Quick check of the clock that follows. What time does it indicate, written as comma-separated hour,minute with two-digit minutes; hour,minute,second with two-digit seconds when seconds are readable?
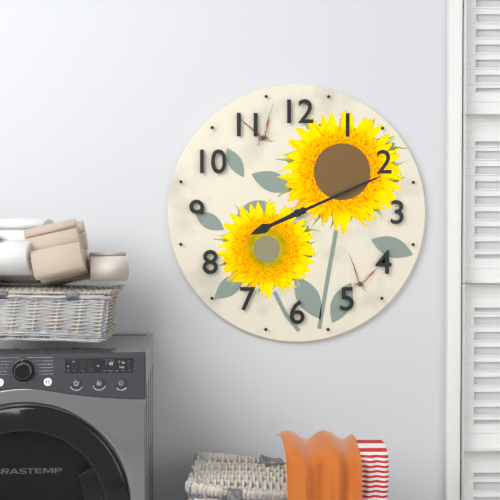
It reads 8,11
